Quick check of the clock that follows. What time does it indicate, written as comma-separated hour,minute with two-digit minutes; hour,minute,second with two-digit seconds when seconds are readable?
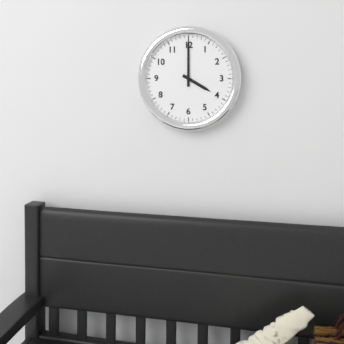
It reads 4,00
